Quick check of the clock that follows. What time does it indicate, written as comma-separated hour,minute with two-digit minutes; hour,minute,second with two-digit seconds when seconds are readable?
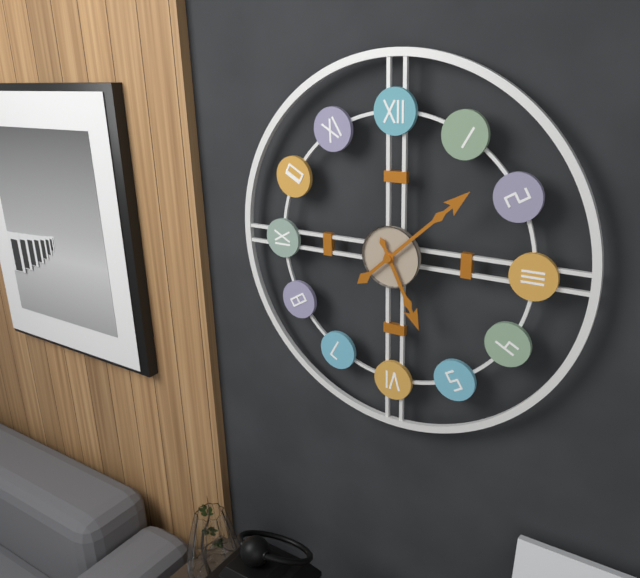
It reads 5,08
